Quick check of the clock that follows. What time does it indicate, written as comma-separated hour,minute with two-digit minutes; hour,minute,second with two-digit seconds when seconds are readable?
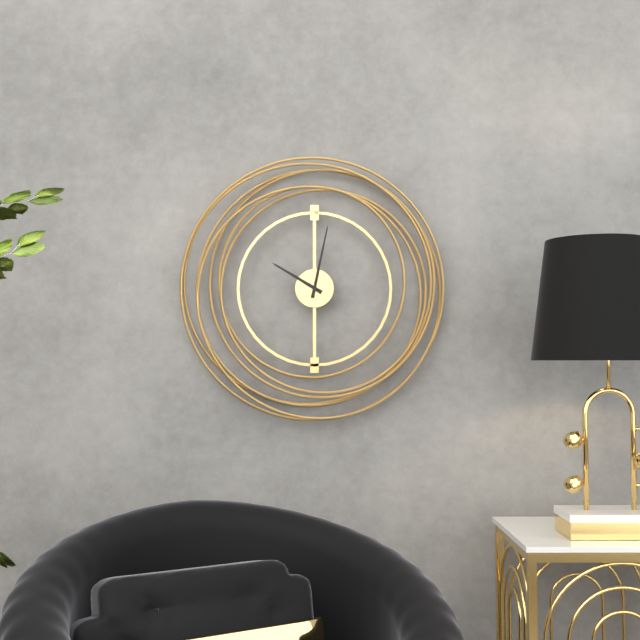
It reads 10,02
